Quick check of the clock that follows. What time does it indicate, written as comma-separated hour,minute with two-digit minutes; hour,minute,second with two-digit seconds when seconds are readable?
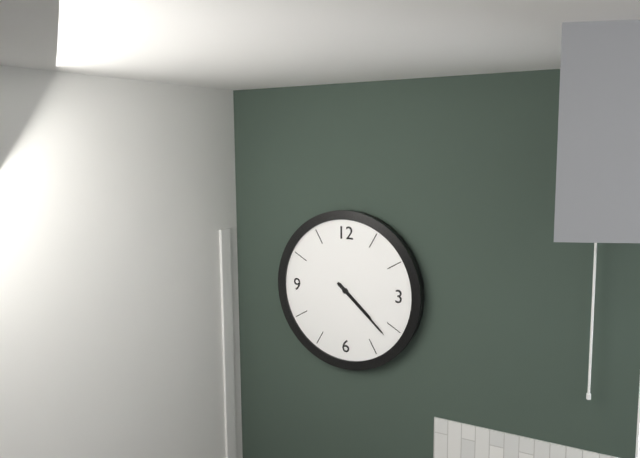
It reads 4,22
